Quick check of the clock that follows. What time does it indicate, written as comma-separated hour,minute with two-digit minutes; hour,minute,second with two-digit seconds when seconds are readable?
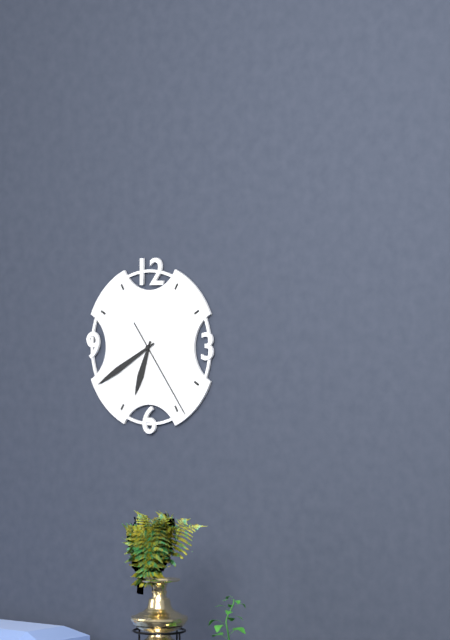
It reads 6,40,24
